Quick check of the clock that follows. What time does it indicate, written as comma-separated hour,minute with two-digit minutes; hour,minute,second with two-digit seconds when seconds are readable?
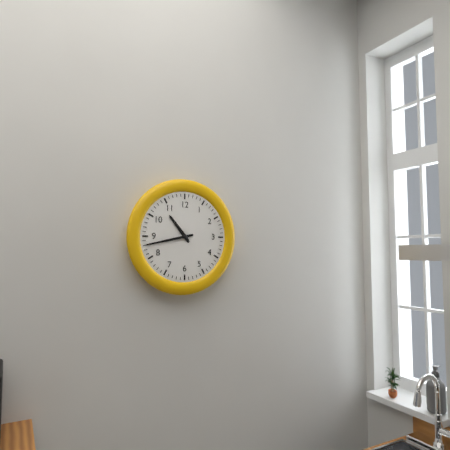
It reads 10,43
